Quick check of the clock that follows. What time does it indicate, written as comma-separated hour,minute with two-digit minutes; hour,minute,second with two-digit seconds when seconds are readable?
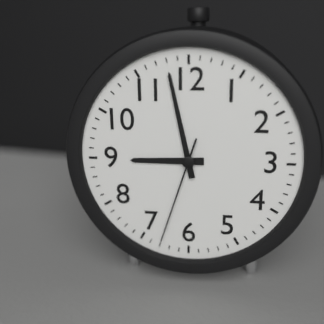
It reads 8,58,33
